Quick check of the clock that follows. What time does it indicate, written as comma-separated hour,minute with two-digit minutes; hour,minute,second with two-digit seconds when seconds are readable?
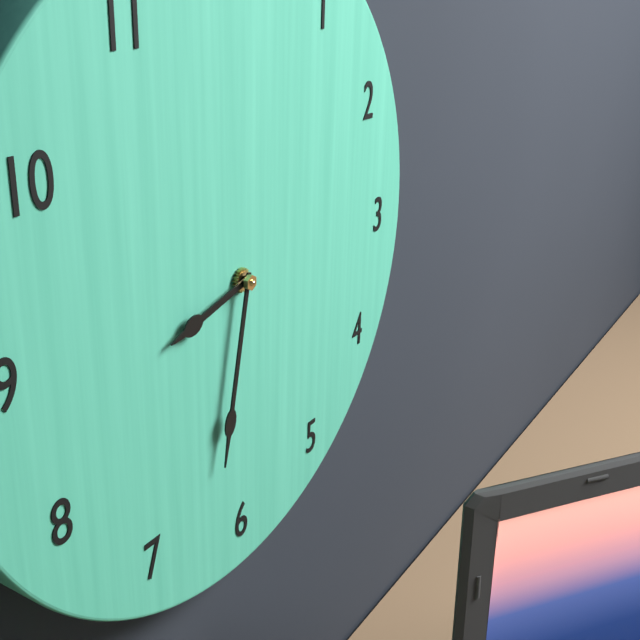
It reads 8,32
